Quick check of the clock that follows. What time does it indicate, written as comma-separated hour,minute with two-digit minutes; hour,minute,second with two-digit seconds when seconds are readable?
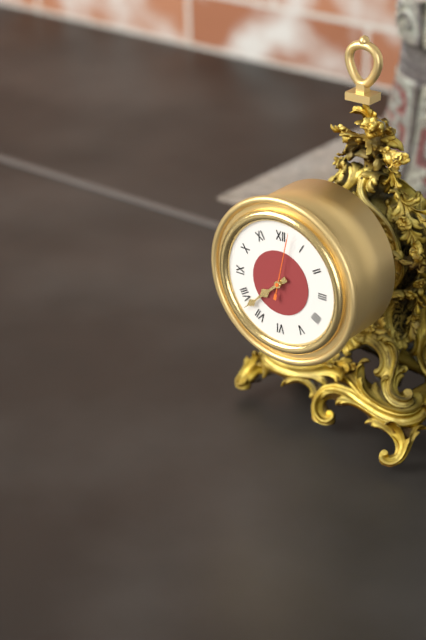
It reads 7,38,02
